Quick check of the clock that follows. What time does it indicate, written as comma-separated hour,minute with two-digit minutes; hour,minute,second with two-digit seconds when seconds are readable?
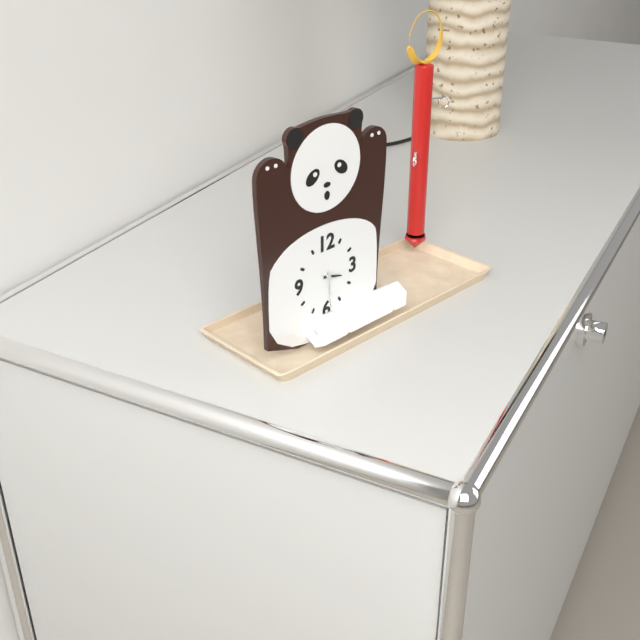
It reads 3,29
